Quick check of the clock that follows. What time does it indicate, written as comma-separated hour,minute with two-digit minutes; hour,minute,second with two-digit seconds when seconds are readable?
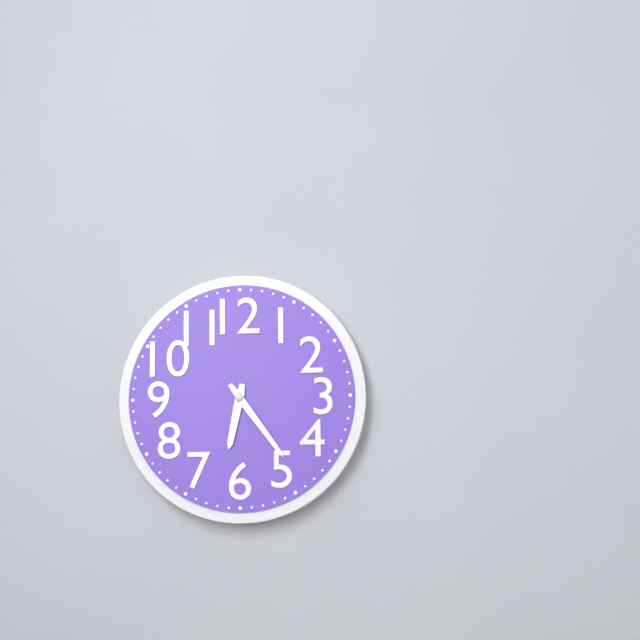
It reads 6,24
